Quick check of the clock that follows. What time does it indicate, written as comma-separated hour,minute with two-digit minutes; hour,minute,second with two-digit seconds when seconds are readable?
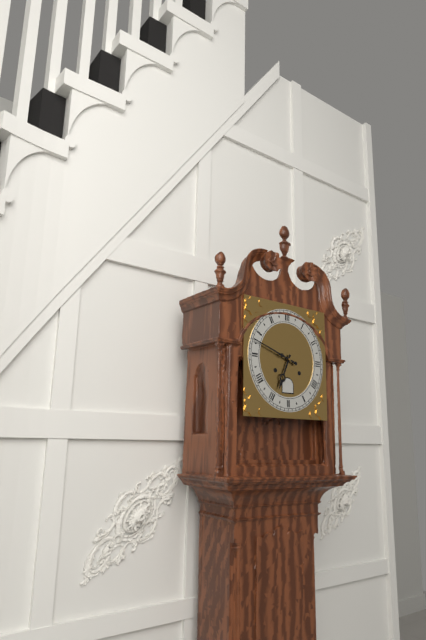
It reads 6,48
